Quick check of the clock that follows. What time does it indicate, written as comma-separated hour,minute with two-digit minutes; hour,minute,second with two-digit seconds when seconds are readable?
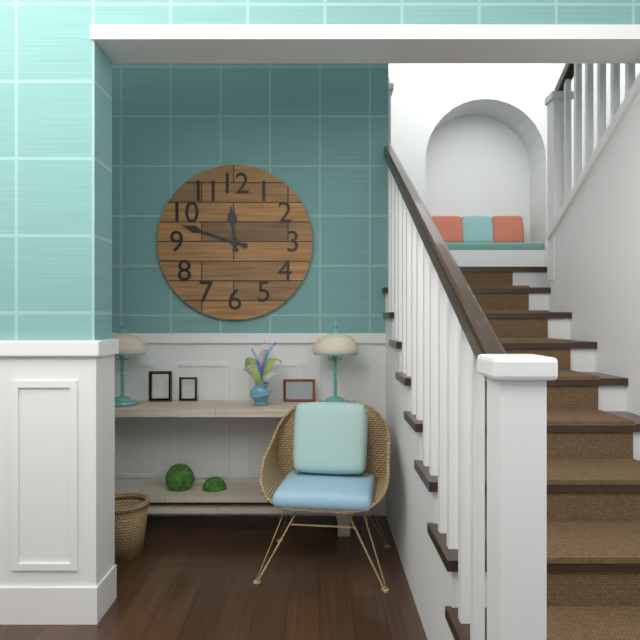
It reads 11,48
